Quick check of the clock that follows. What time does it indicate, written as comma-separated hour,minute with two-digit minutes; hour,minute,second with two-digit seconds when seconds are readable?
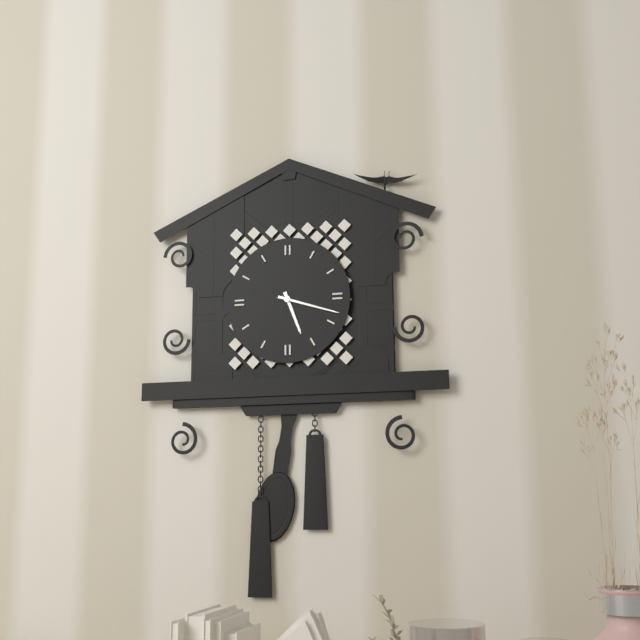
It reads 5,18
